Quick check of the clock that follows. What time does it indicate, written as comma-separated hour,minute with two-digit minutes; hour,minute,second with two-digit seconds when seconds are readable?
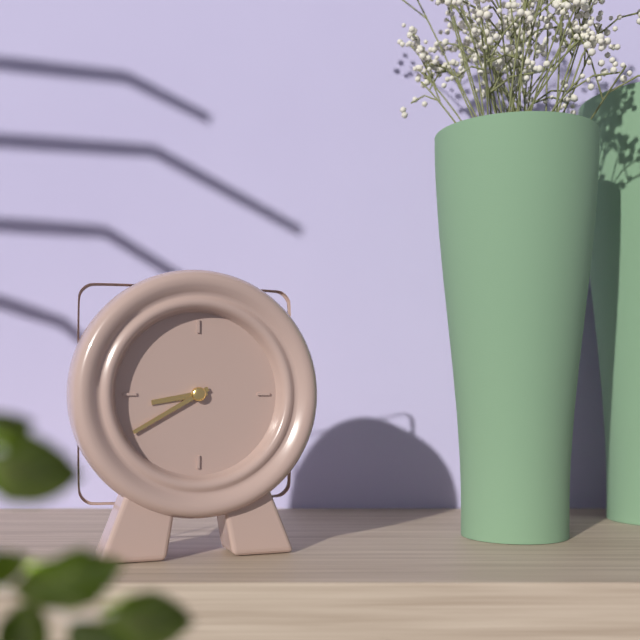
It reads 8,40
